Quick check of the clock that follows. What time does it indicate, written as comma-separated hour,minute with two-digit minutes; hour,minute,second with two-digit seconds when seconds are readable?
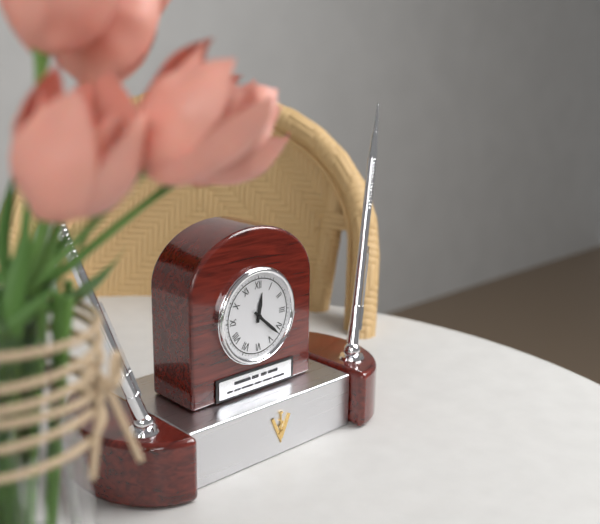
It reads 12,22
